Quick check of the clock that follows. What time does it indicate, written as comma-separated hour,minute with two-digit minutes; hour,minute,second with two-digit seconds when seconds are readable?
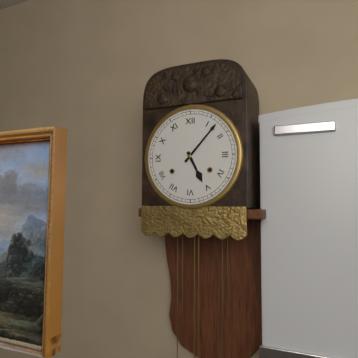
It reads 5,07
